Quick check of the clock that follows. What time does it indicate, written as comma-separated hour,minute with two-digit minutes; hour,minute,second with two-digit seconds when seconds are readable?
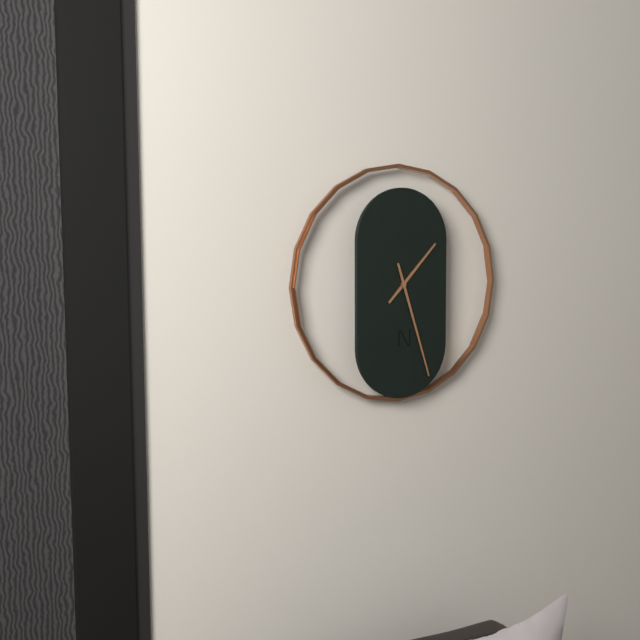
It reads 1,27
